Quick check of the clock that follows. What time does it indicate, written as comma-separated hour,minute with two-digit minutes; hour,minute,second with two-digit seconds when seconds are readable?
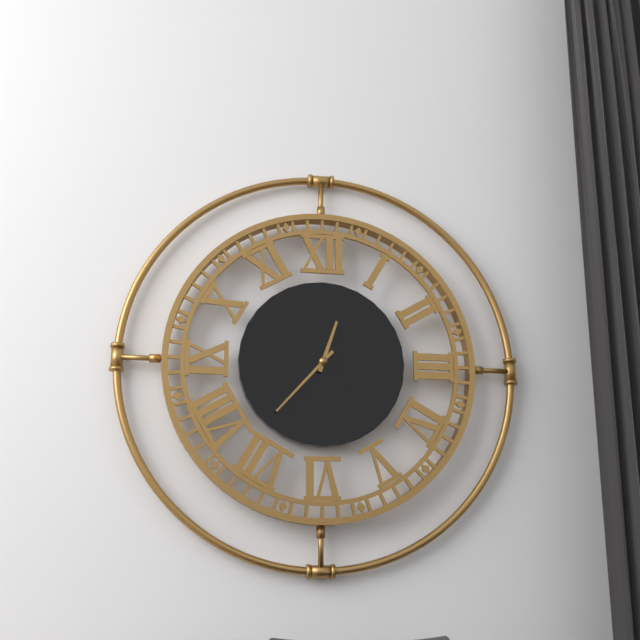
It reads 12,37
